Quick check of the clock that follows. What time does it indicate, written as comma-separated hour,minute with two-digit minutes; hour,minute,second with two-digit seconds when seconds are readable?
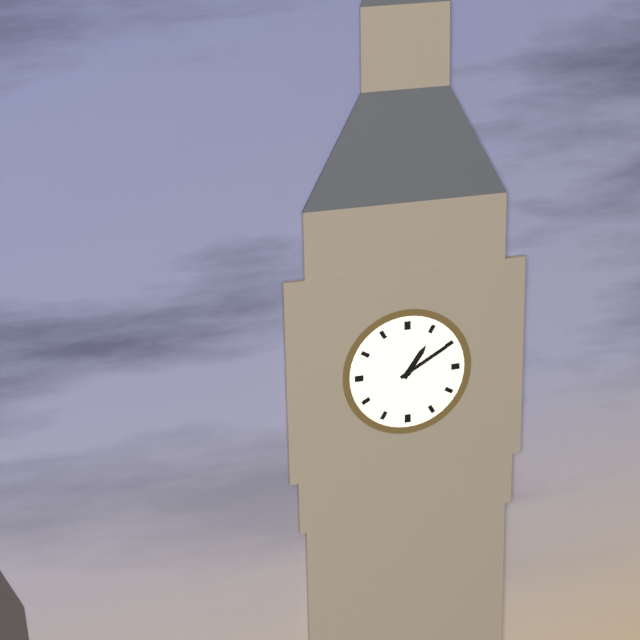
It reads 1,10
